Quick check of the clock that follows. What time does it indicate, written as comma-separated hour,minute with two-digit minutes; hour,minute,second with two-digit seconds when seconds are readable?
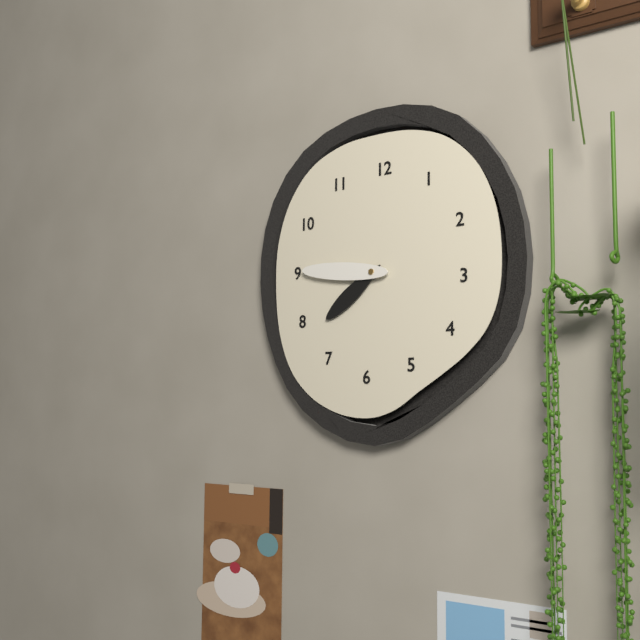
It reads 7,46
